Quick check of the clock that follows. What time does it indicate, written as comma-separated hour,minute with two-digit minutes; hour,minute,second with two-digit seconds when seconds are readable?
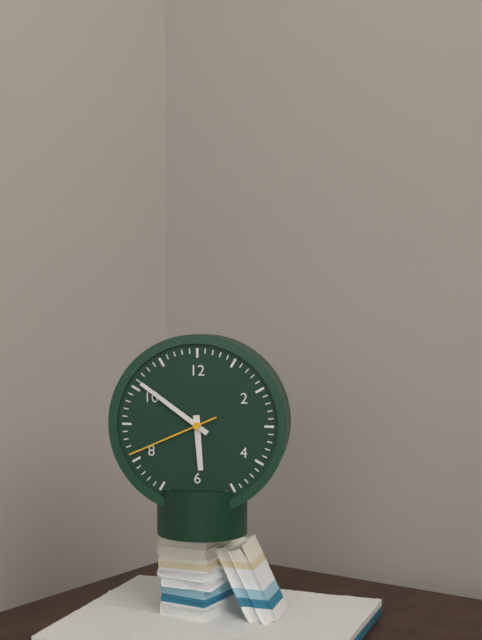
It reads 5,51,41
